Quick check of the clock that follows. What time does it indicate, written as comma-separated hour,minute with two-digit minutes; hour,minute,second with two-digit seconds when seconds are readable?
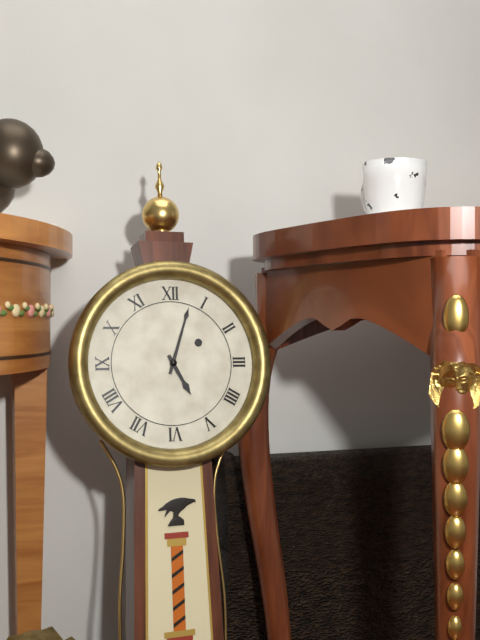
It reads 5,03
